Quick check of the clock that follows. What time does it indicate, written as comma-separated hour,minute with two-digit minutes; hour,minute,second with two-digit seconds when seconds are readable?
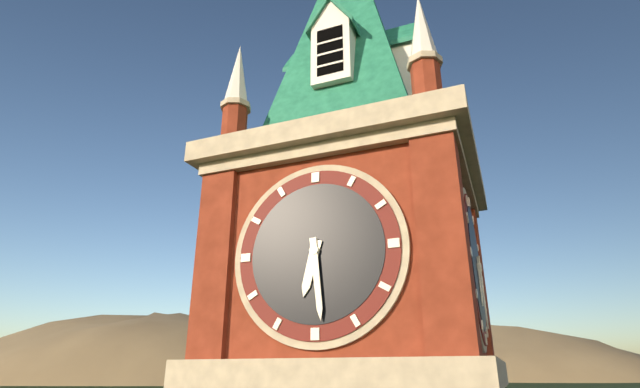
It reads 6,29
